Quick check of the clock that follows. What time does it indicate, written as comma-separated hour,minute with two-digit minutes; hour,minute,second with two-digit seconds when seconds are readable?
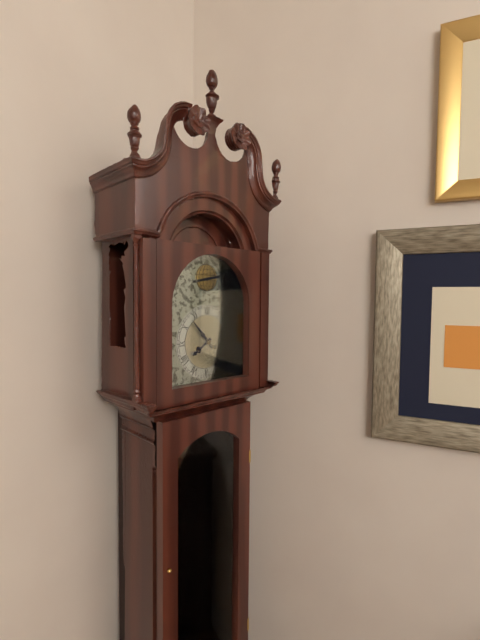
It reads 7,53
